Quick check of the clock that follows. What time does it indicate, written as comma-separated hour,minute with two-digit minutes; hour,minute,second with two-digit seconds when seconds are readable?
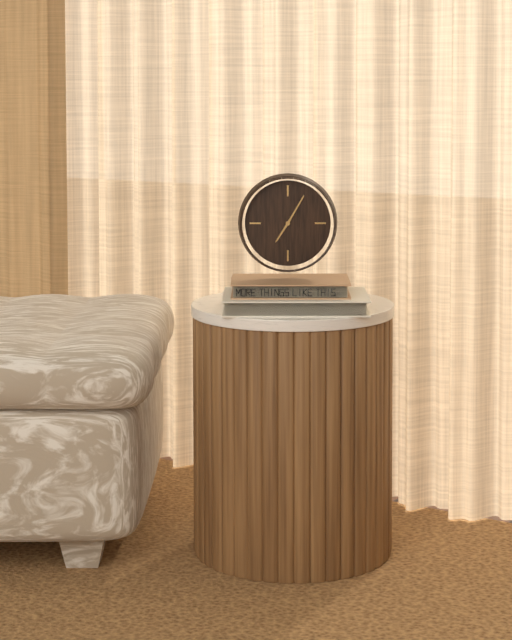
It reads 7,05
